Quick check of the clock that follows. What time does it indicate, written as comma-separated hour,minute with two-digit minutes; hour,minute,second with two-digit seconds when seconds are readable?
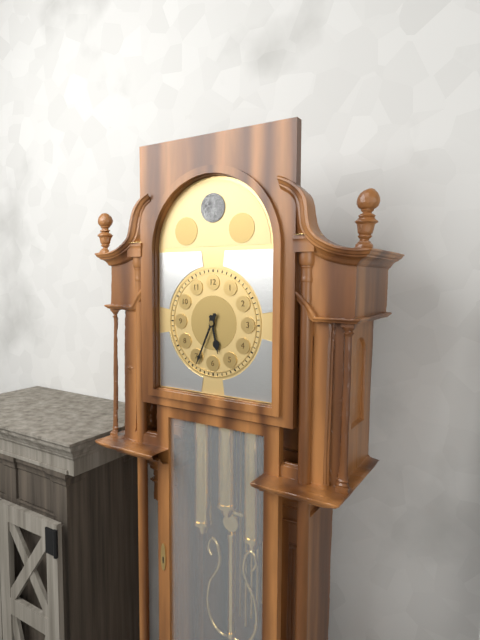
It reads 5,34
